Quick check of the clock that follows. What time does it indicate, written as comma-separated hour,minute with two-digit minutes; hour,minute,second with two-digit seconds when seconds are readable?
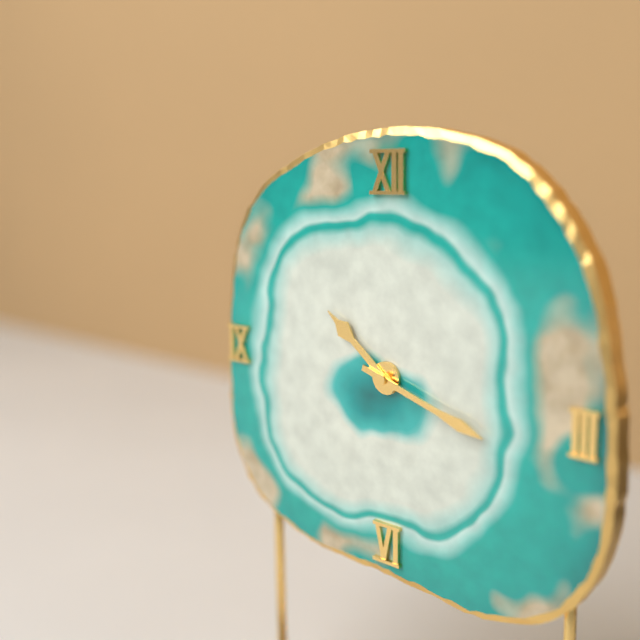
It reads 10,18
